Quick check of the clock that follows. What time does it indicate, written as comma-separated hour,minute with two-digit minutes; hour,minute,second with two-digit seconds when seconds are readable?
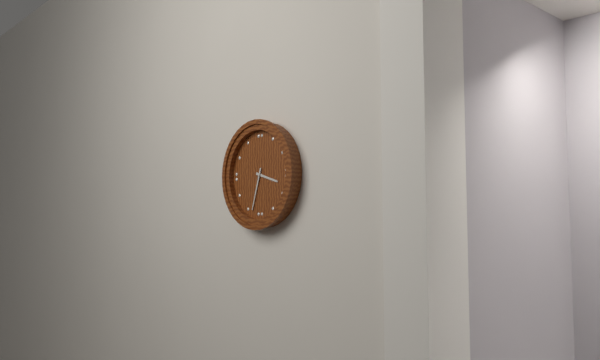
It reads 3,33
